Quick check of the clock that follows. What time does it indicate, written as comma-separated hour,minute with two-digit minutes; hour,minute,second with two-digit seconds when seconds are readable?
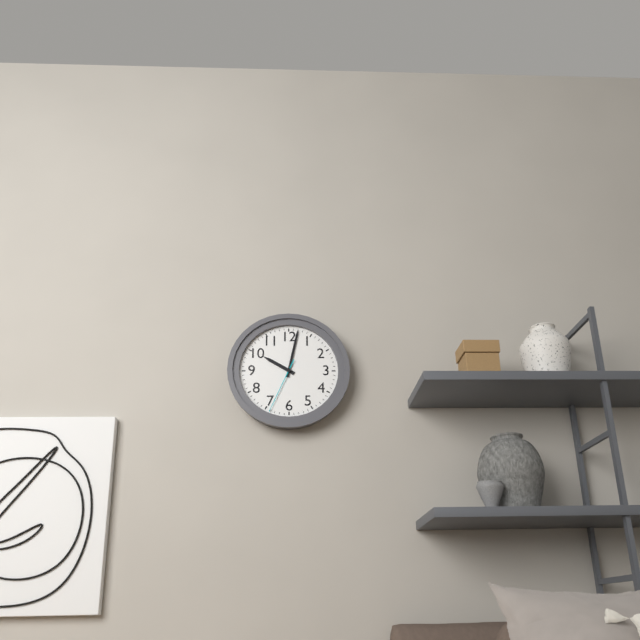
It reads 10,02,34
